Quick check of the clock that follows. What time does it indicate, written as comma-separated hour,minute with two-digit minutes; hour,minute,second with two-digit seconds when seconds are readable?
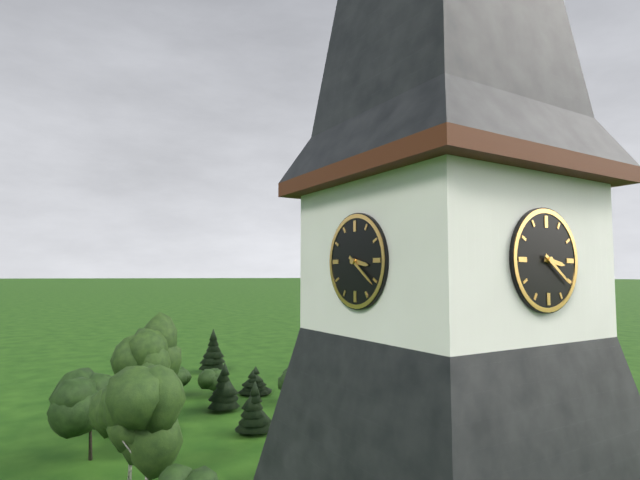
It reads 3,21
